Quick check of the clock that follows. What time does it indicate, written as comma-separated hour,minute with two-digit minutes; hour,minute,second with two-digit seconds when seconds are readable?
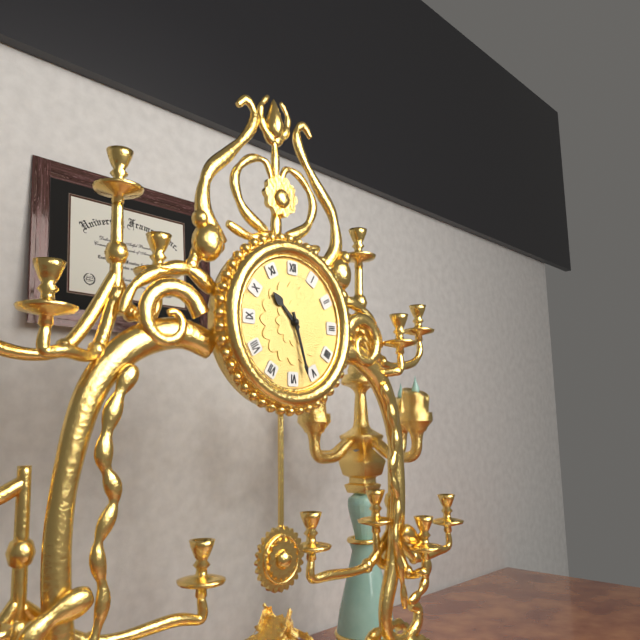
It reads 10,27
